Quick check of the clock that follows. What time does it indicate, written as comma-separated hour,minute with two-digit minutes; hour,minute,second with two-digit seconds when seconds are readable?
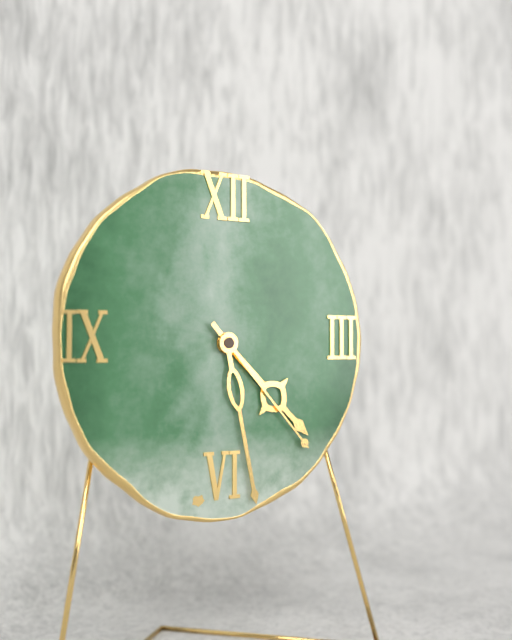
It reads 4,28,23
